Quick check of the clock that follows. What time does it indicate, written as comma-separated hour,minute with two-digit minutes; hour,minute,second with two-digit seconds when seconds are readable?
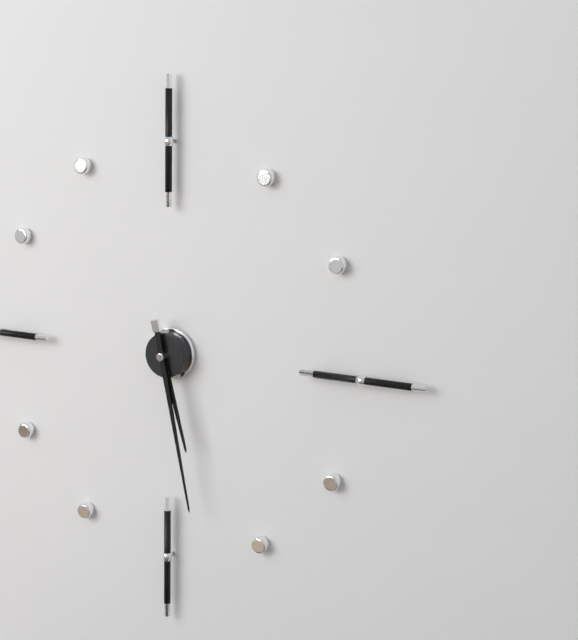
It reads 5,28
